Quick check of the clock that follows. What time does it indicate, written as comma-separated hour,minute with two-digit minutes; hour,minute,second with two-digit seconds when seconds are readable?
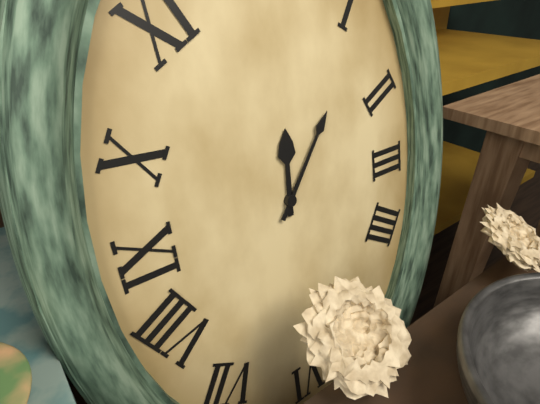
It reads 12,06
